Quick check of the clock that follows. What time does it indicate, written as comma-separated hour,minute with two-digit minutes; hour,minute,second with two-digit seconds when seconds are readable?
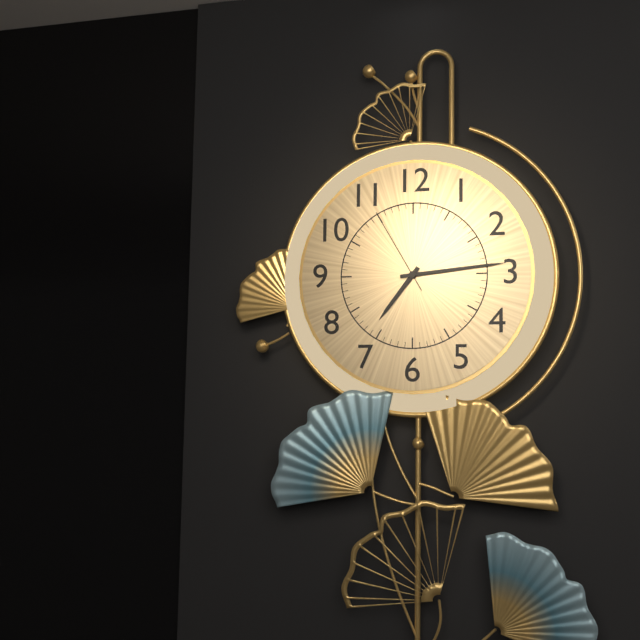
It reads 7,14,55
